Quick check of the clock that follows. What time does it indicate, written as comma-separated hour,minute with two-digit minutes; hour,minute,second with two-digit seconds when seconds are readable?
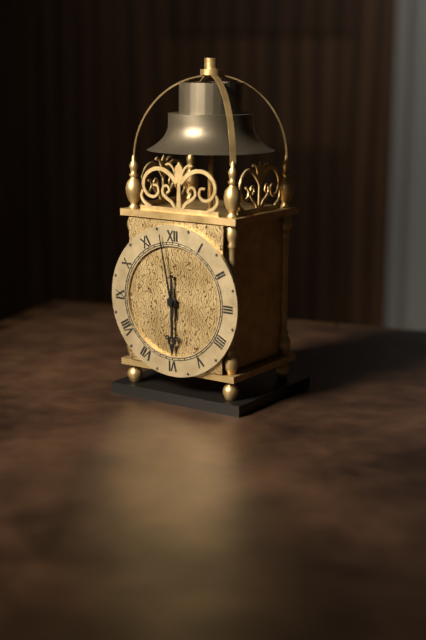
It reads 5,58
